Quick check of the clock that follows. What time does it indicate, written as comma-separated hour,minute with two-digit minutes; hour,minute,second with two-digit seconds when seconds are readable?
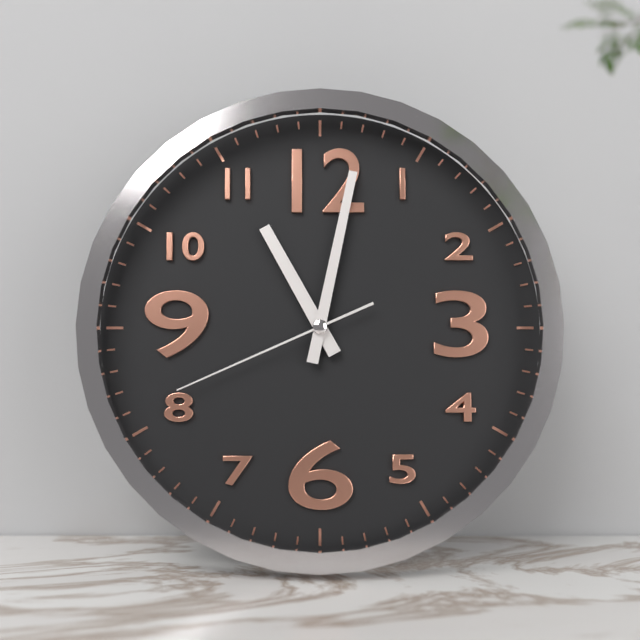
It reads 11,02,41
